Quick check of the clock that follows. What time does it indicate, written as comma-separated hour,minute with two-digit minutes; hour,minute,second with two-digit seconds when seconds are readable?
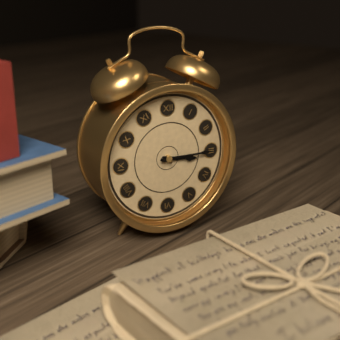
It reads 3,15
